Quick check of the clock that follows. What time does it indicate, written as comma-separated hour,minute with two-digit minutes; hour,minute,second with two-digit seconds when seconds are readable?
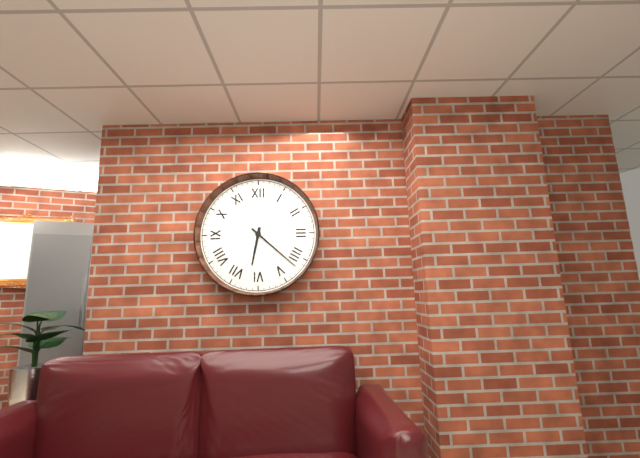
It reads 6,22
